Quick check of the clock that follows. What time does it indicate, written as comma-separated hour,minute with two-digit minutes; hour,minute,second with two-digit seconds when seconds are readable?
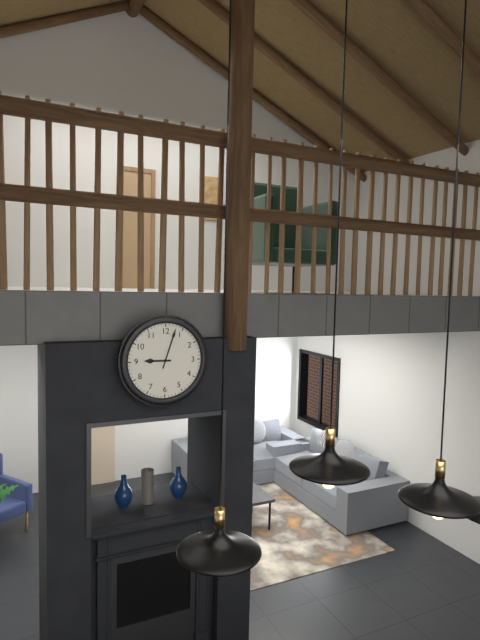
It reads 9,03
